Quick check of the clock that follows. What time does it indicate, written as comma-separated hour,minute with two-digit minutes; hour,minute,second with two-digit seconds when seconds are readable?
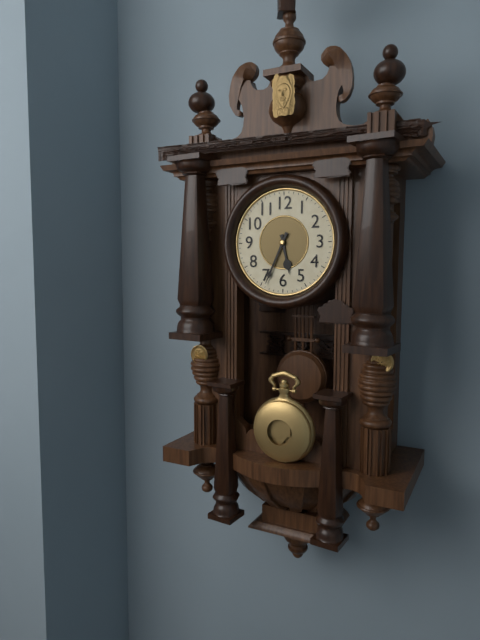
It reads 5,34
